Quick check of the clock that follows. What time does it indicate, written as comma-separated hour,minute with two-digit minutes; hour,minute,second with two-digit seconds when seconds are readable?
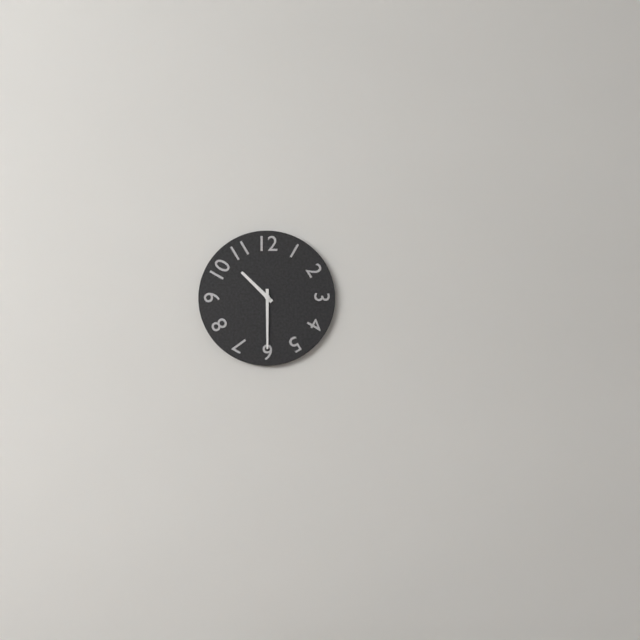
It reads 10,30
